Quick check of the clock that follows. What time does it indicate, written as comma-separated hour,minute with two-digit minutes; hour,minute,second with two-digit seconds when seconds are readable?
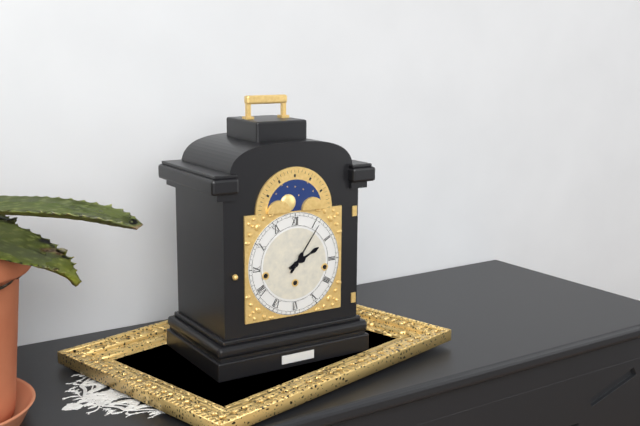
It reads 2,06
